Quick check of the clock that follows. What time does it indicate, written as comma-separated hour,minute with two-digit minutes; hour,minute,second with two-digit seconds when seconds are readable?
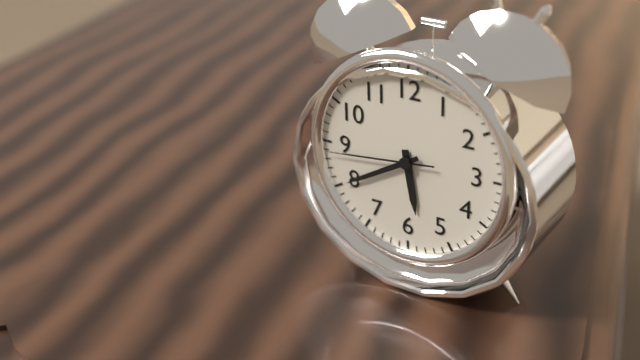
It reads 5,40,44
